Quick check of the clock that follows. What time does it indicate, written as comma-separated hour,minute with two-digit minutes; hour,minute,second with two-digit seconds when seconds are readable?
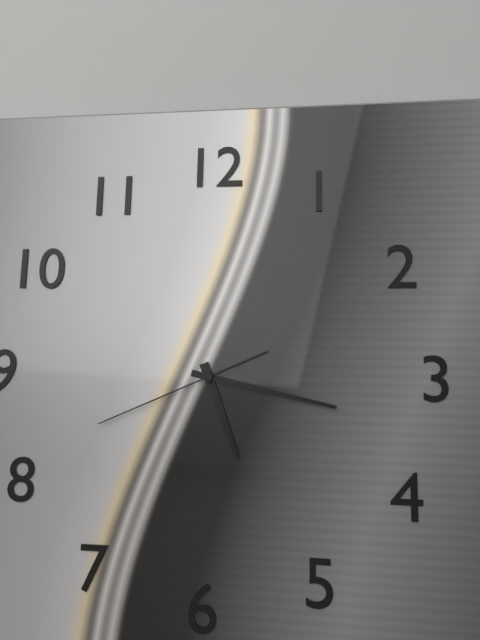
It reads 5,17,41
